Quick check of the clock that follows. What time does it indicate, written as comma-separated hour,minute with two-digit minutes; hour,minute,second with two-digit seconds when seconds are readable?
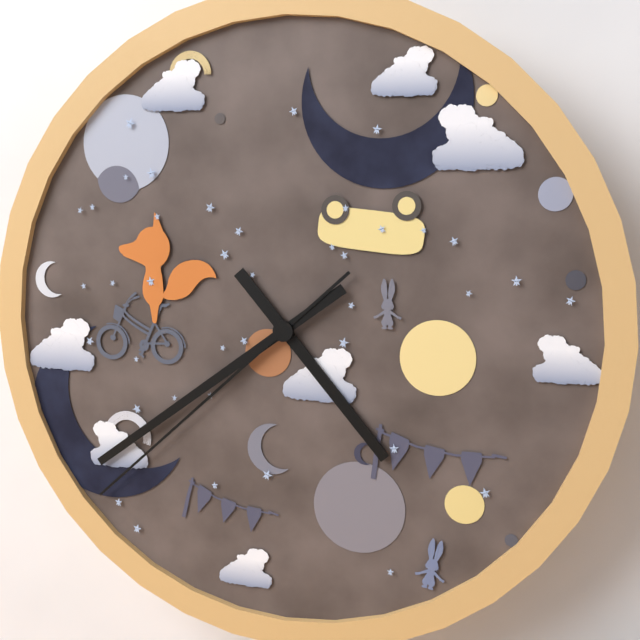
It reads 4,39,38
